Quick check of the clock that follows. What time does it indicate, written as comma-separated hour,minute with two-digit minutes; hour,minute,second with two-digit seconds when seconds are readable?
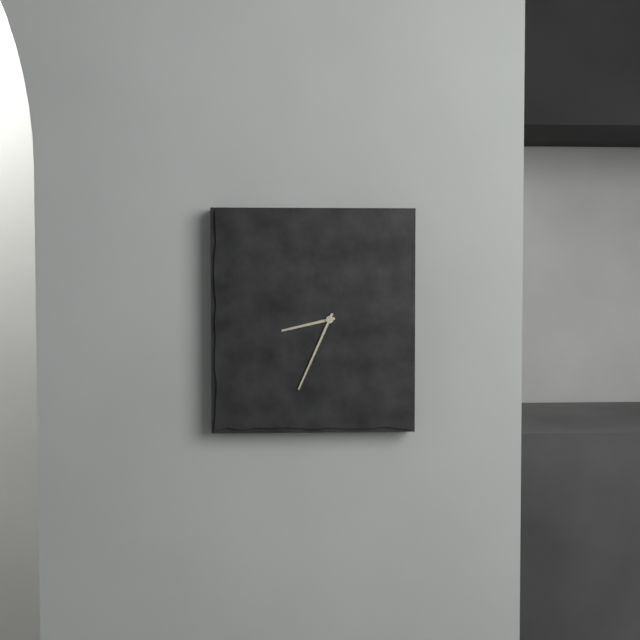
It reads 8,34
